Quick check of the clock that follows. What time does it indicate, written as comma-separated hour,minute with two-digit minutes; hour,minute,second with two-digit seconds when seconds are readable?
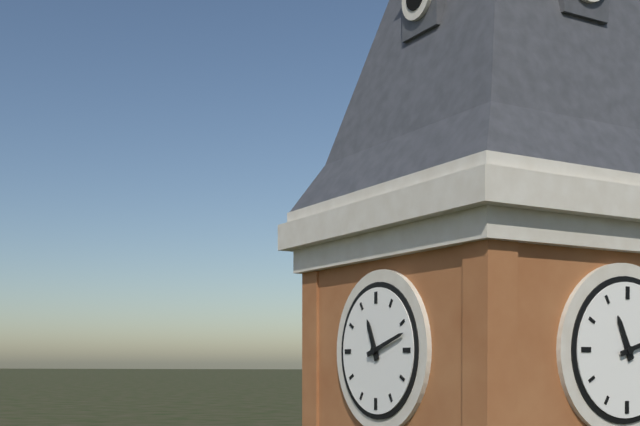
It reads 11,12
